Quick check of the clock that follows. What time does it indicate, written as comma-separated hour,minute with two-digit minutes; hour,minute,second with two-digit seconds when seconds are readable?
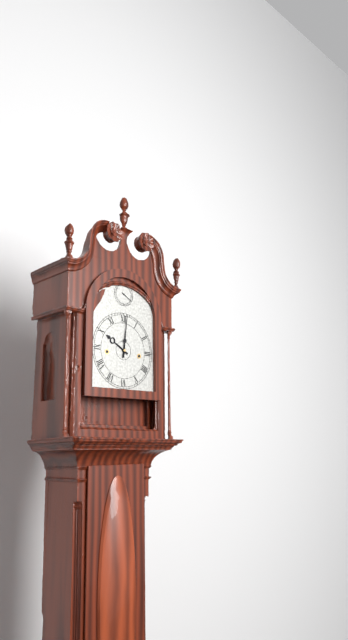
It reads 10,01
